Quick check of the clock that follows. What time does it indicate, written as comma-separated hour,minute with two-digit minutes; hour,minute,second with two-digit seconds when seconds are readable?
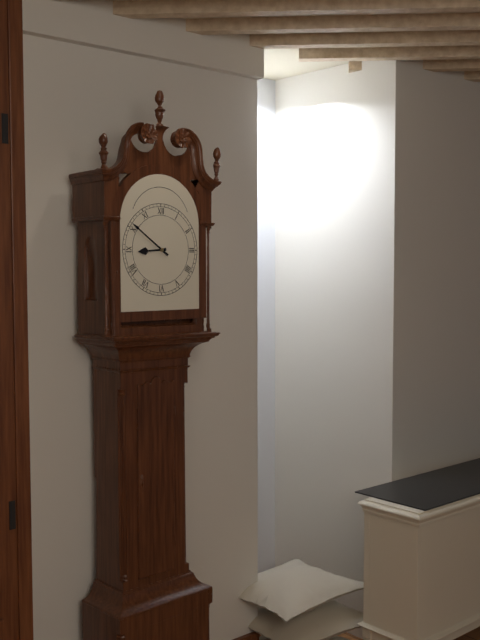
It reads 8,51
